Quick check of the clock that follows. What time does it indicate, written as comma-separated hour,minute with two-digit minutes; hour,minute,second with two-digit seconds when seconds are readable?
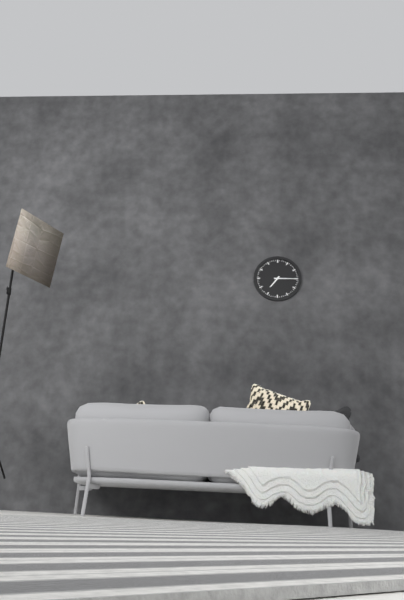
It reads 7,15
